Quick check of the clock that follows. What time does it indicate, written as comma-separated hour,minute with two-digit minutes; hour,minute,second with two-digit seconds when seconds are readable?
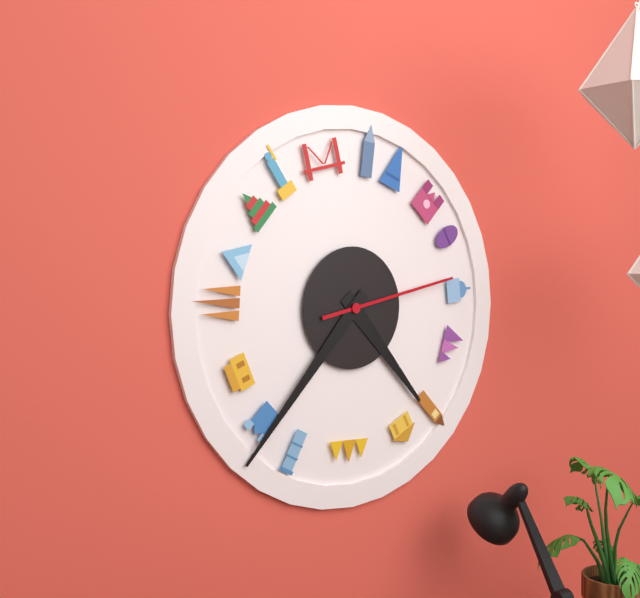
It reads 4,37,13
